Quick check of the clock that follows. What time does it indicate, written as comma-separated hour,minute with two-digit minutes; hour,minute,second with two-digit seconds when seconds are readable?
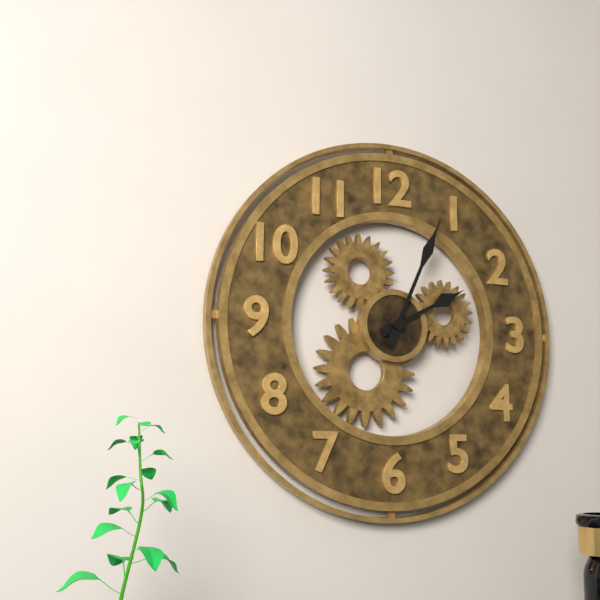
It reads 2,04
